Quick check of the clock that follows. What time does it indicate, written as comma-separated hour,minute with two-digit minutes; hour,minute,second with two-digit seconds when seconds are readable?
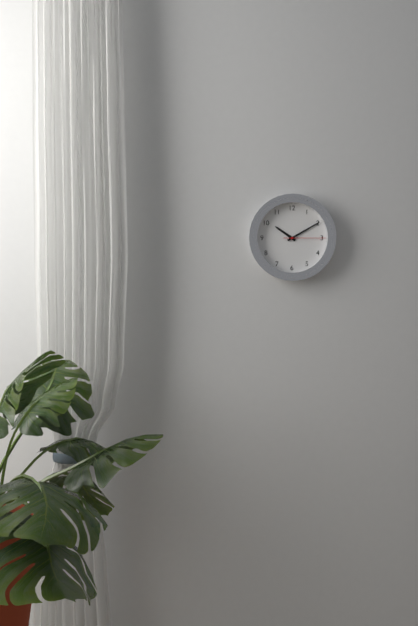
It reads 10,10
